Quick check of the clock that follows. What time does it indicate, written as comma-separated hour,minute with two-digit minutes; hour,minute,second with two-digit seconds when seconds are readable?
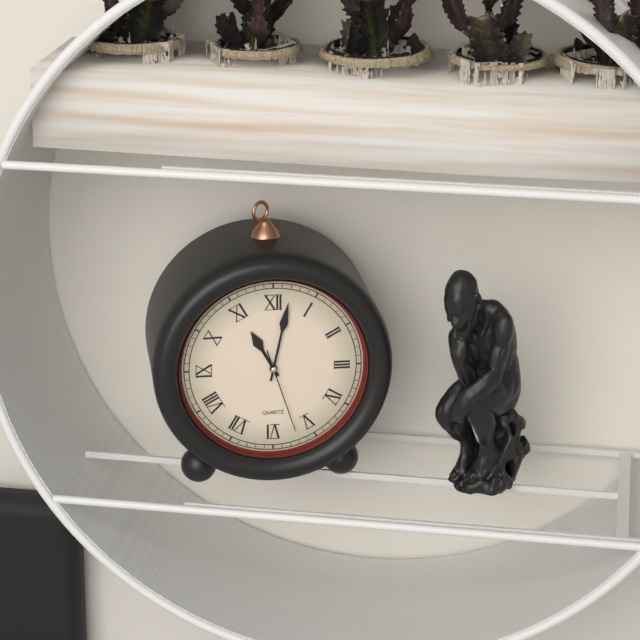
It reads 11,02,27
